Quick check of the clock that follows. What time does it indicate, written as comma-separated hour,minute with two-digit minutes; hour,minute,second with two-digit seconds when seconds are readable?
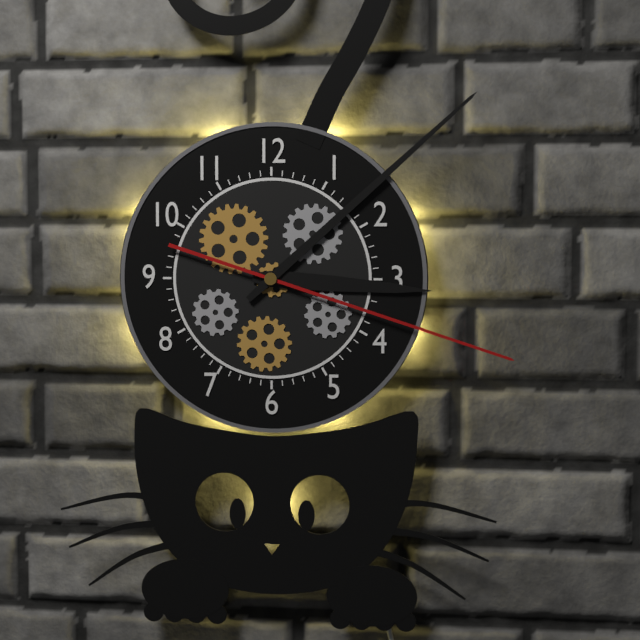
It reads 3,08,18
